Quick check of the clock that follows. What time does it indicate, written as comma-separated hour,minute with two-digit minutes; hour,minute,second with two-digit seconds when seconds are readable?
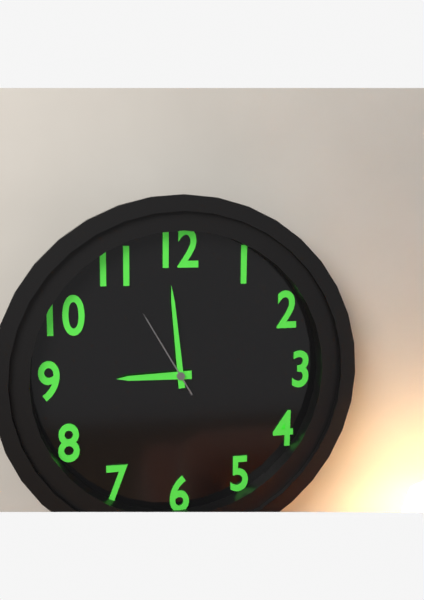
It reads 8,59,55
